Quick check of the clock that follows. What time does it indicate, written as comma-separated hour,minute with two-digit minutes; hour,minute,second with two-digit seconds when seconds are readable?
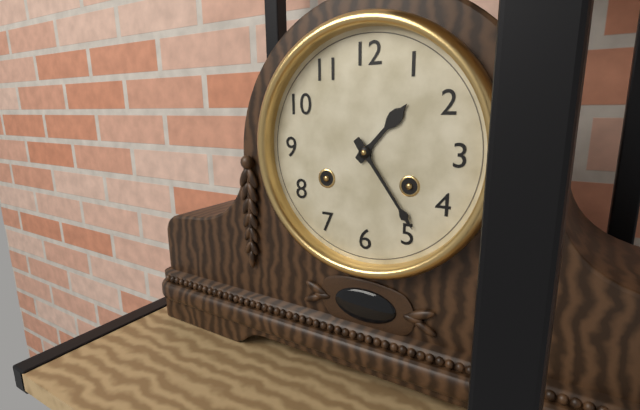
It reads 1,24
